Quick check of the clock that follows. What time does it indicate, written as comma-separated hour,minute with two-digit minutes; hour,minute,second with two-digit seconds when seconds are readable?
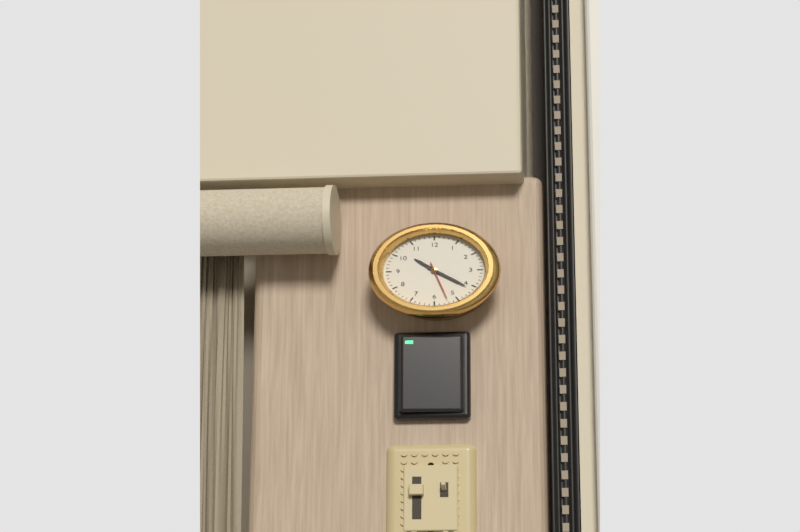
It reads 10,21
